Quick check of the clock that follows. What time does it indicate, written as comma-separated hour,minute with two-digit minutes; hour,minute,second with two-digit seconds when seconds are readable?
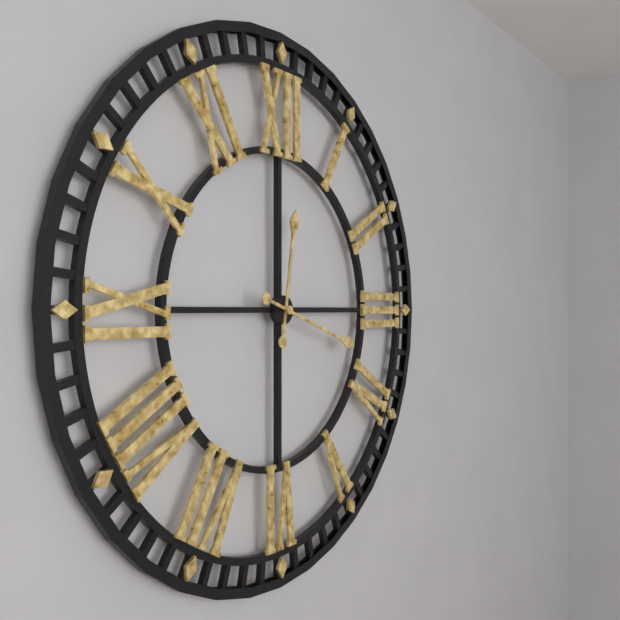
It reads 12,18
